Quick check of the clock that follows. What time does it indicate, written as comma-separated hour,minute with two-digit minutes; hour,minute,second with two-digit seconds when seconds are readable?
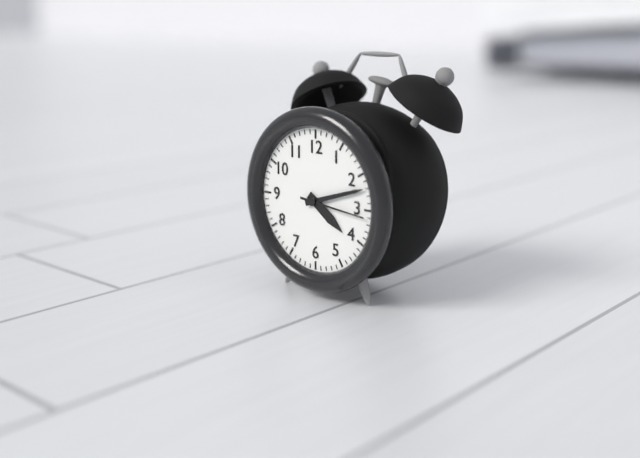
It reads 4,12,16
